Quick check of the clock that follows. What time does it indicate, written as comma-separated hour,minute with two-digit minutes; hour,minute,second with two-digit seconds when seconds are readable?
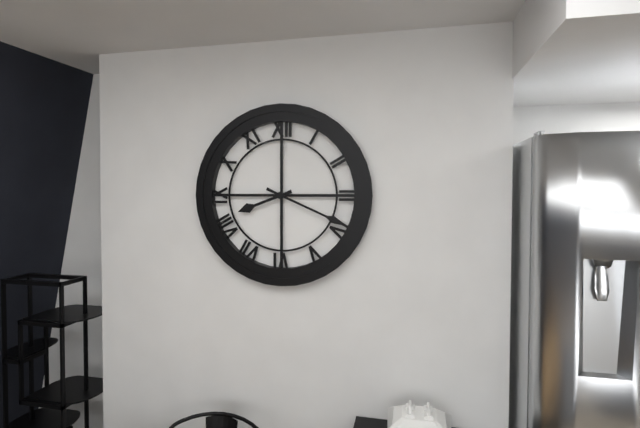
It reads 8,19
